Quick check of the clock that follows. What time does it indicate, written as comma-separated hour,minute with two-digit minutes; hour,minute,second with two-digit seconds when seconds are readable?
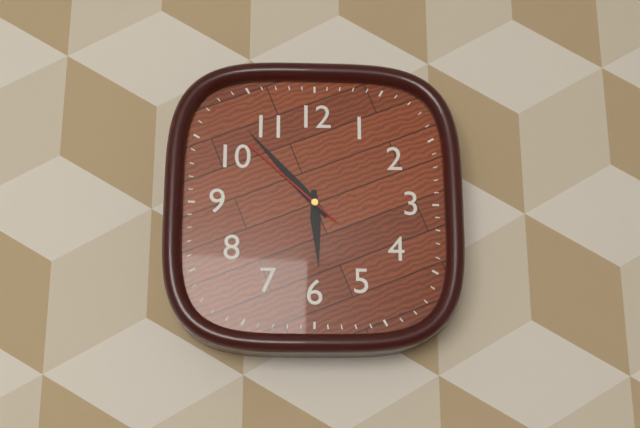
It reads 5,53,52
